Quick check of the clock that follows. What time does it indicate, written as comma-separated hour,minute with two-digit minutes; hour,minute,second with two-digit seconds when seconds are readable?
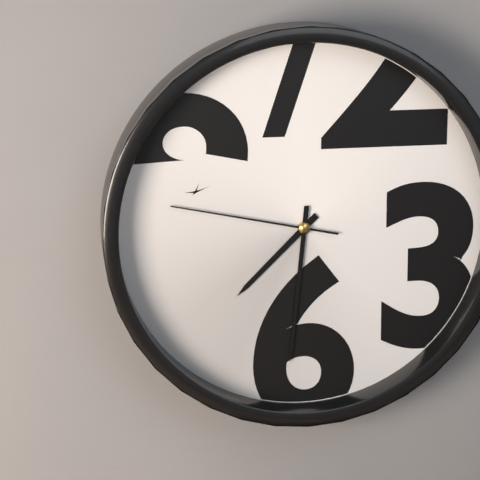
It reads 7,31,47
